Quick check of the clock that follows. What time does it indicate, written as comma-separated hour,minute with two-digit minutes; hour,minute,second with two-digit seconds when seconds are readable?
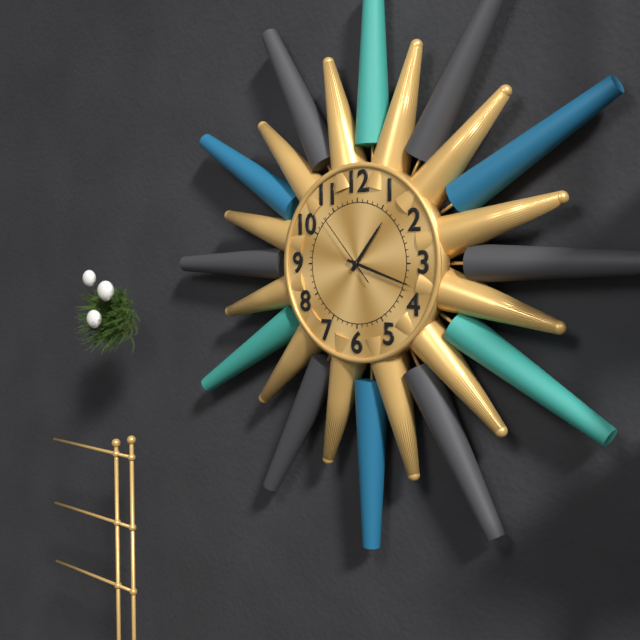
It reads 1,18,53
